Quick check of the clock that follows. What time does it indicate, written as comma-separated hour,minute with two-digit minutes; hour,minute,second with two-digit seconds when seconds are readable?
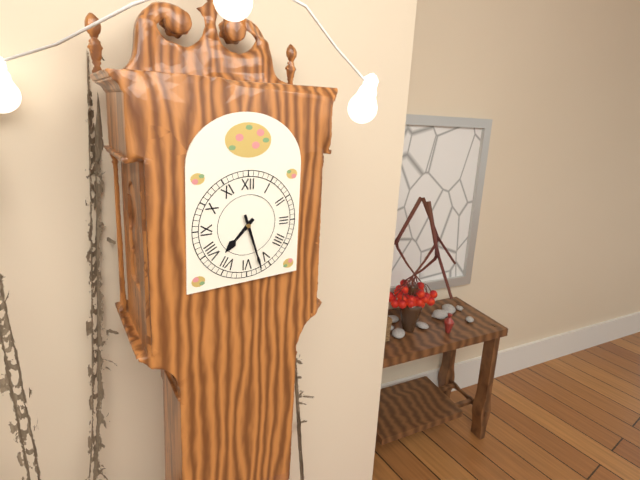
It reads 7,27
